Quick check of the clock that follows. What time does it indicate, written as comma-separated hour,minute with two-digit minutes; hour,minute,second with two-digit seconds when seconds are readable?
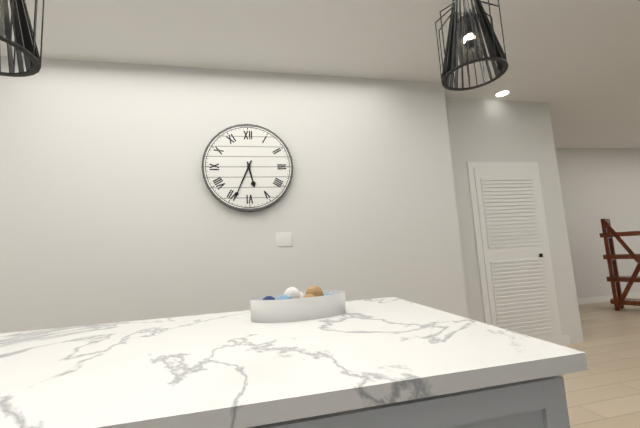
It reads 5,34
